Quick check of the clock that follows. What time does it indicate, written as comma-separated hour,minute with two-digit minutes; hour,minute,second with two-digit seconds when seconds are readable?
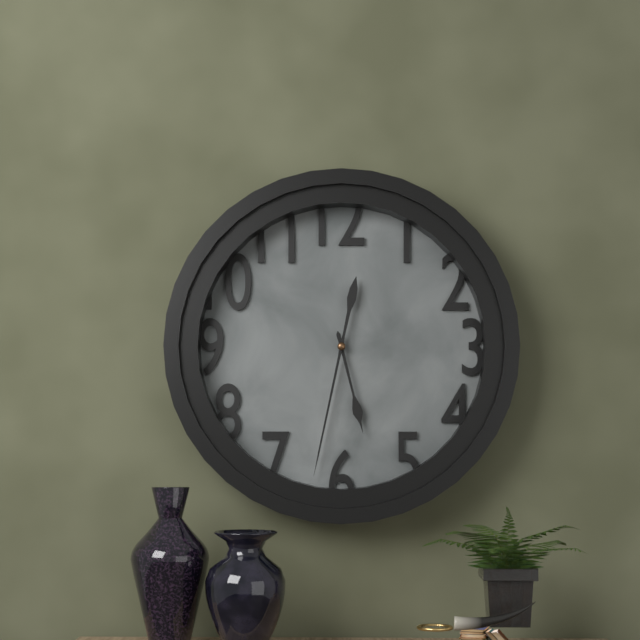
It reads 5,32
